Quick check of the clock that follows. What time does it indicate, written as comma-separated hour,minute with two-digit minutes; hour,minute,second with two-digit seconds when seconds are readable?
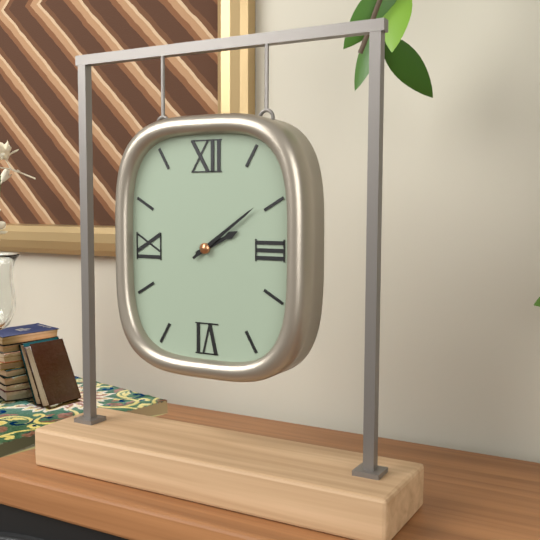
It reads 2,09
